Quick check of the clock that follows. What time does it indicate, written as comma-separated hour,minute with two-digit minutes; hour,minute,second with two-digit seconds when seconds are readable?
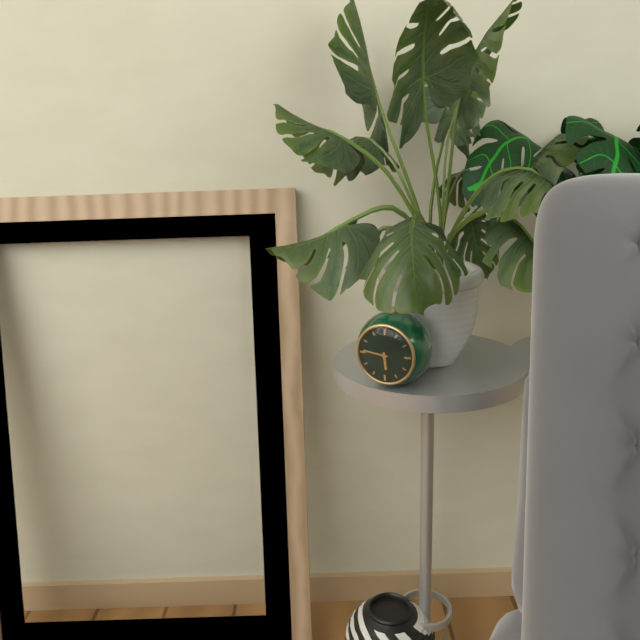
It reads 5,46
